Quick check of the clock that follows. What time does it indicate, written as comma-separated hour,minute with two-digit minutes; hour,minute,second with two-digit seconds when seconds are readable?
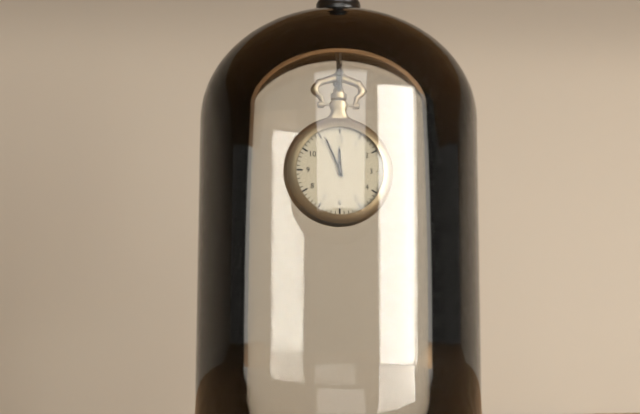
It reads 11,56
